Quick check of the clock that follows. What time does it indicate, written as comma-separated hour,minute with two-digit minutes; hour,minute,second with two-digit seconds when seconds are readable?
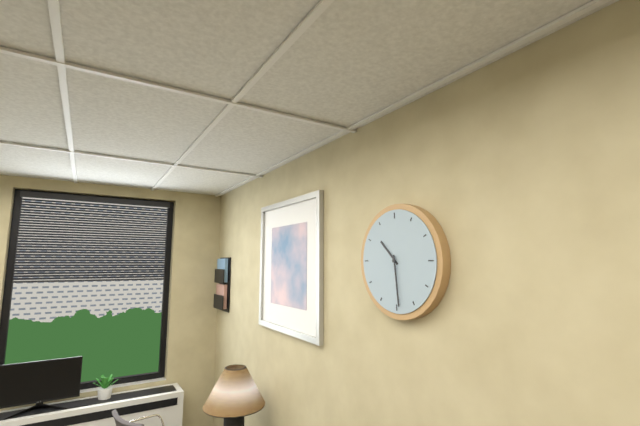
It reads 10,29
